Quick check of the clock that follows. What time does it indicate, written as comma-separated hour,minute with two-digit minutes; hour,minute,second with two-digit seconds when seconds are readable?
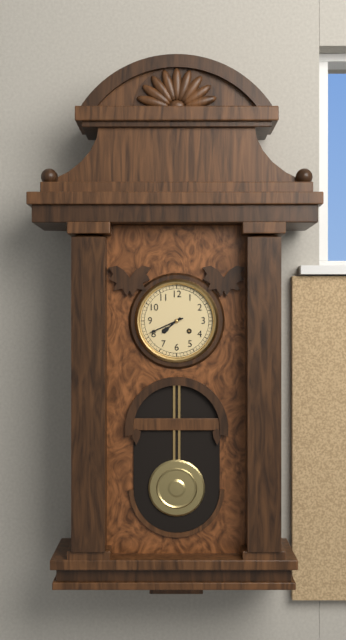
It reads 7,41
